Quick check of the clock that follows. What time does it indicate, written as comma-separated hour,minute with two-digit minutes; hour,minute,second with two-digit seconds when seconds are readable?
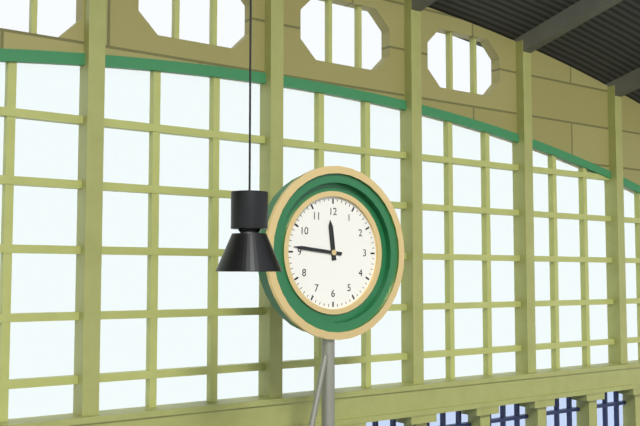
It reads 11,46
